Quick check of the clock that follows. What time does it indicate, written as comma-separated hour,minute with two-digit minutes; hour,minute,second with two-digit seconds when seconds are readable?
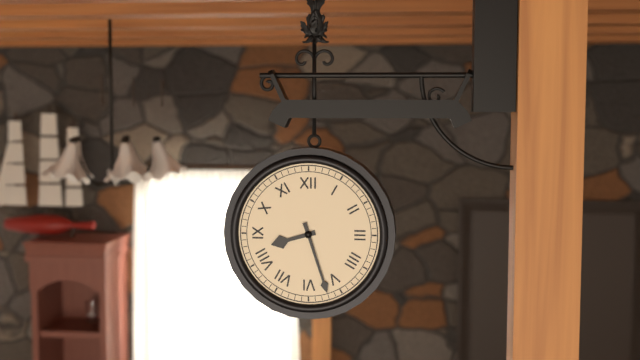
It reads 8,27
